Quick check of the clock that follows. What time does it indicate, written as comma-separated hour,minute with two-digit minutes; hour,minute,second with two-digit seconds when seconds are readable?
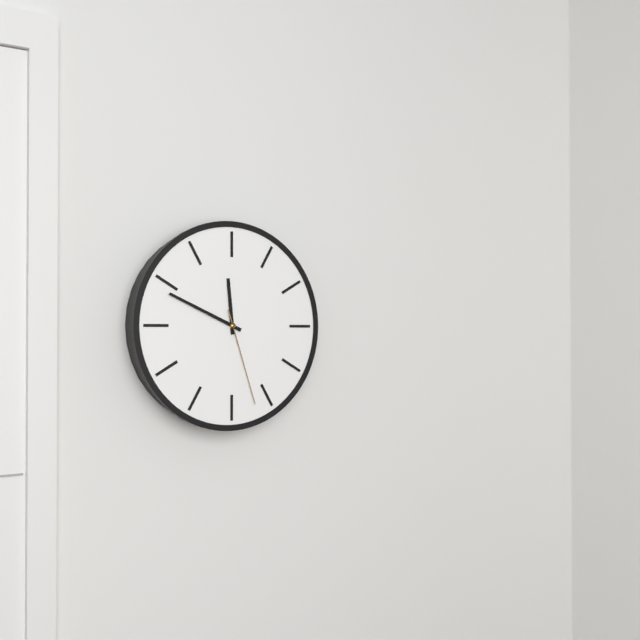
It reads 11,49,27
